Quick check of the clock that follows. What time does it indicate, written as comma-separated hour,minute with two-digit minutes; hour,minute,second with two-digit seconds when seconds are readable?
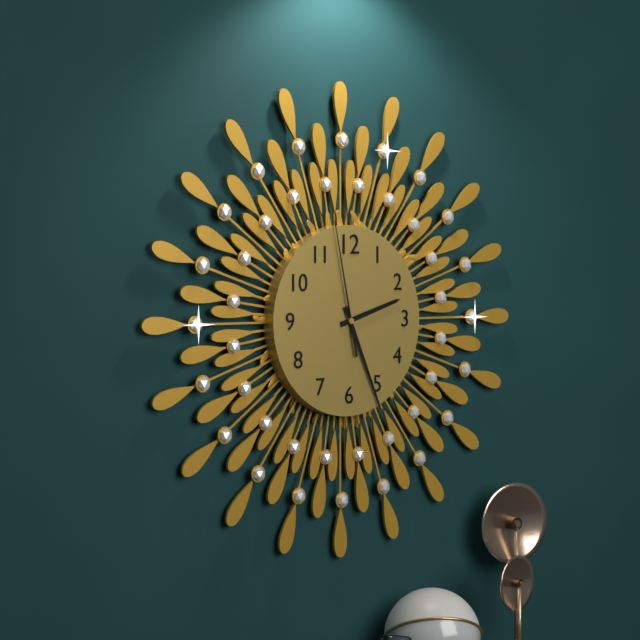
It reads 2,26,58
